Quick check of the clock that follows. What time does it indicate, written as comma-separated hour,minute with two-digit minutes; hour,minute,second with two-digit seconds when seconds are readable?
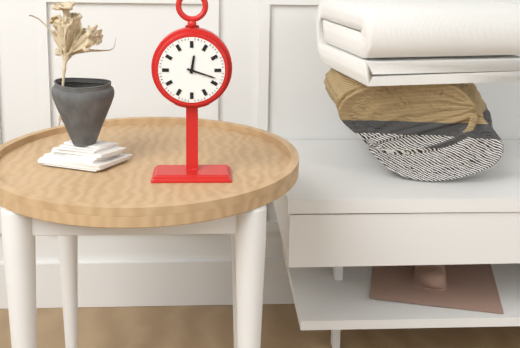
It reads 12,18
